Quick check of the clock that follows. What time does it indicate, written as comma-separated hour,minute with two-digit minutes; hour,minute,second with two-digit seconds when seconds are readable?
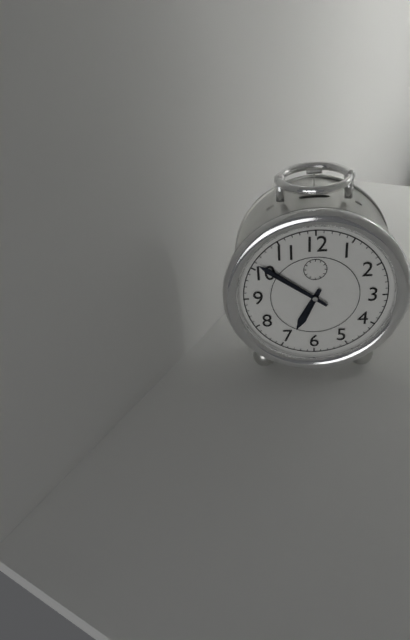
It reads 6,51
